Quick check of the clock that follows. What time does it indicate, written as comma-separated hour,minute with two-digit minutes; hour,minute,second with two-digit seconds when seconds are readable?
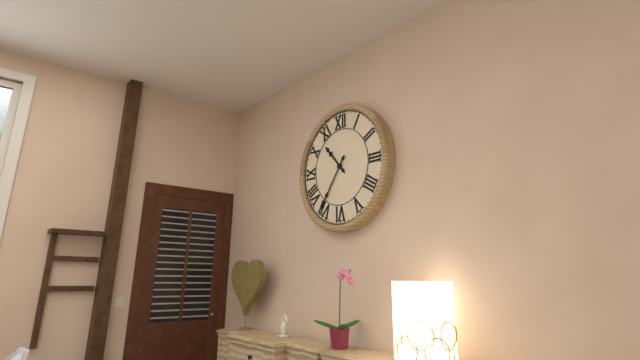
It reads 10,36
